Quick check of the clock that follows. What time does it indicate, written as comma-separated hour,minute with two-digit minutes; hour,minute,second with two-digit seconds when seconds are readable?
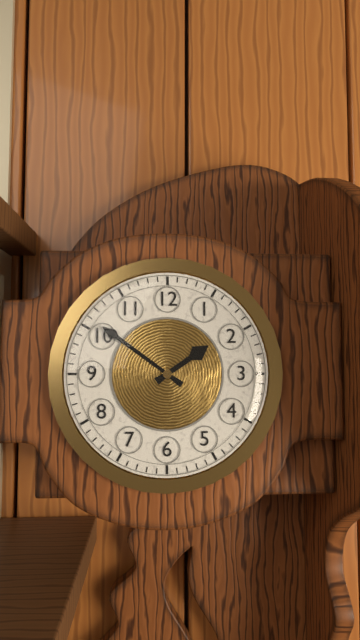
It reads 1,51
